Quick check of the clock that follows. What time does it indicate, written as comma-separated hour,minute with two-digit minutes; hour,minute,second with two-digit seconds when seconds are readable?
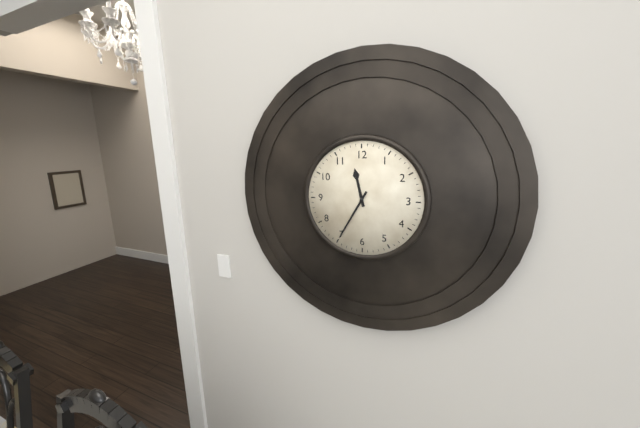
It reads 11,35
